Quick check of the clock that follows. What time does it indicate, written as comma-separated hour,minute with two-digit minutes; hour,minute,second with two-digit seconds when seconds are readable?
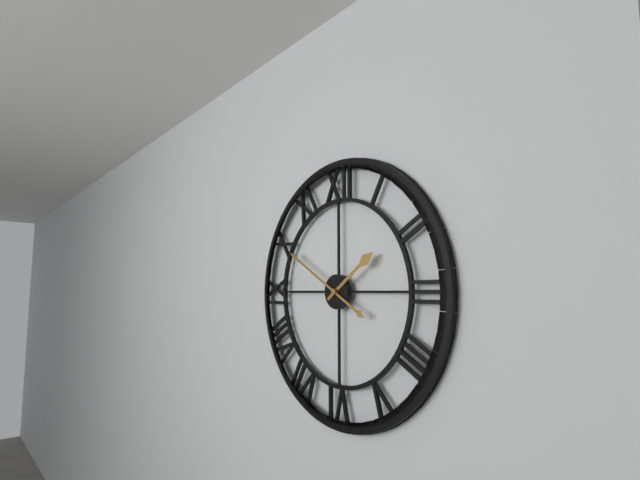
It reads 1,50
